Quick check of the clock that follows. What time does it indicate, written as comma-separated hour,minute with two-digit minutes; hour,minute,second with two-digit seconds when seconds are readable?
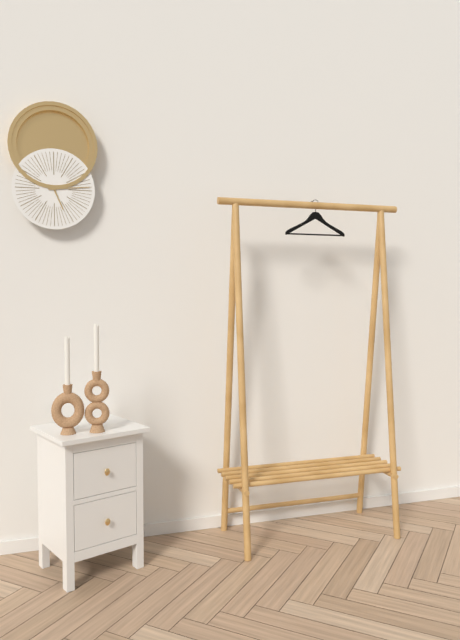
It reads 5,14
